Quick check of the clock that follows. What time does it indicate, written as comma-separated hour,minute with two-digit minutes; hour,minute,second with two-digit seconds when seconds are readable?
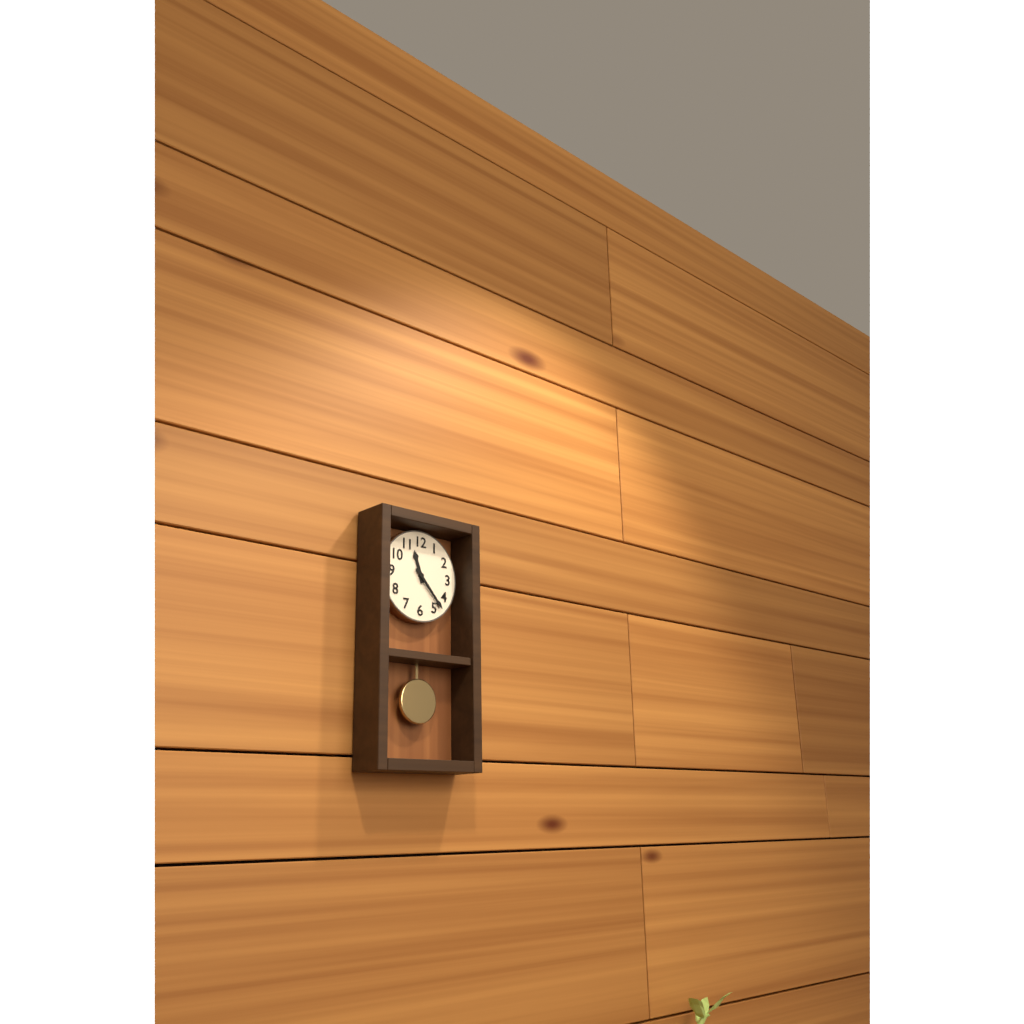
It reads 11,23
